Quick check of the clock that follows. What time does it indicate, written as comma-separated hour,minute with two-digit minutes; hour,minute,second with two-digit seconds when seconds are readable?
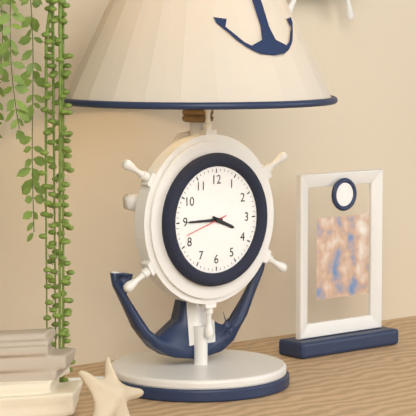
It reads 3,45
